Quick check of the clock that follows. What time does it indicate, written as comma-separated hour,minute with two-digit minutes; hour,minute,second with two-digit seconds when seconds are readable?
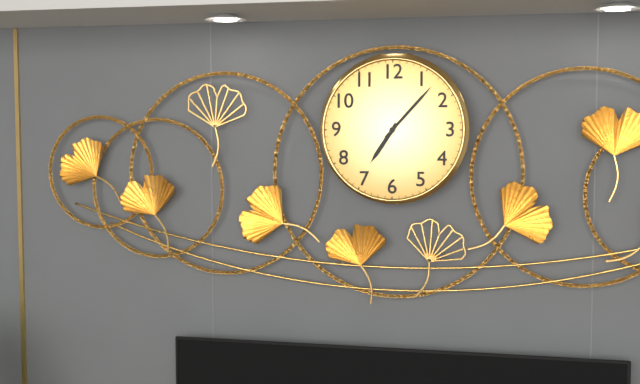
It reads 7,07
